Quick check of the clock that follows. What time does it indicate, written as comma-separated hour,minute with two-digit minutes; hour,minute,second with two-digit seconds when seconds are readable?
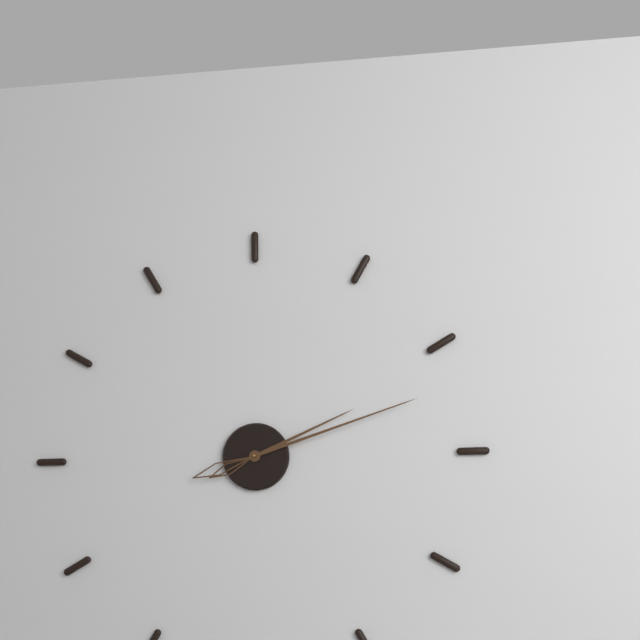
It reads 2,12
